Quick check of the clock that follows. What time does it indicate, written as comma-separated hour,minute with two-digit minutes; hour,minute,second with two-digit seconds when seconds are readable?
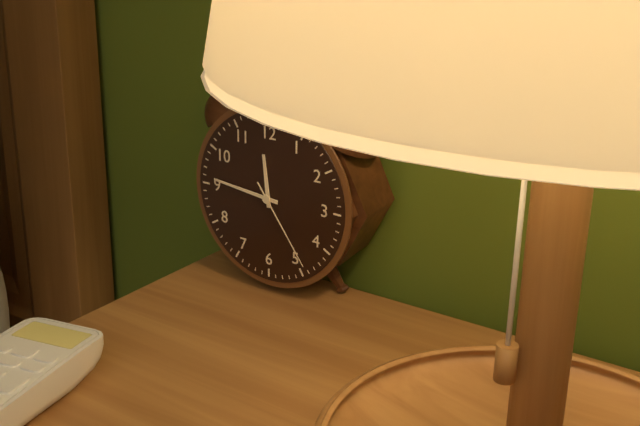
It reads 11,46,24
